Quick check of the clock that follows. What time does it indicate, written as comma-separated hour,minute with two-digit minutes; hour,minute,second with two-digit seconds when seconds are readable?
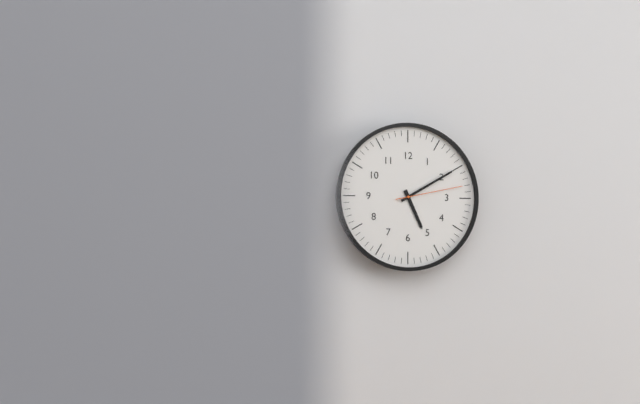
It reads 5,10,13
